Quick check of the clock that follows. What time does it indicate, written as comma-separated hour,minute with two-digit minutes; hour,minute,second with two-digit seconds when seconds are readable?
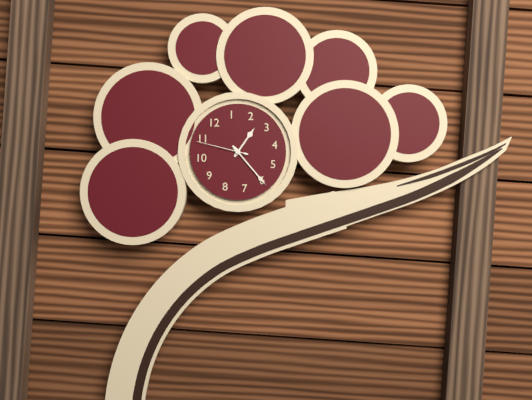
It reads 2,30,54
